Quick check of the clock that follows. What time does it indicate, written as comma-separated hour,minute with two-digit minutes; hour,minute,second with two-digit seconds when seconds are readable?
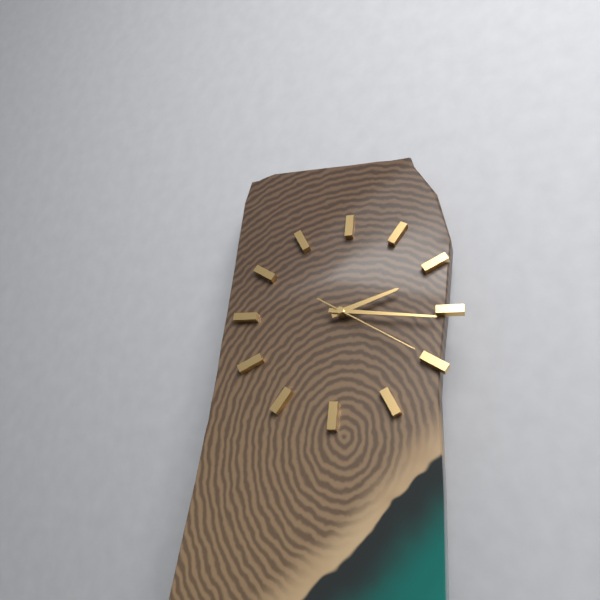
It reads 2,16,20
